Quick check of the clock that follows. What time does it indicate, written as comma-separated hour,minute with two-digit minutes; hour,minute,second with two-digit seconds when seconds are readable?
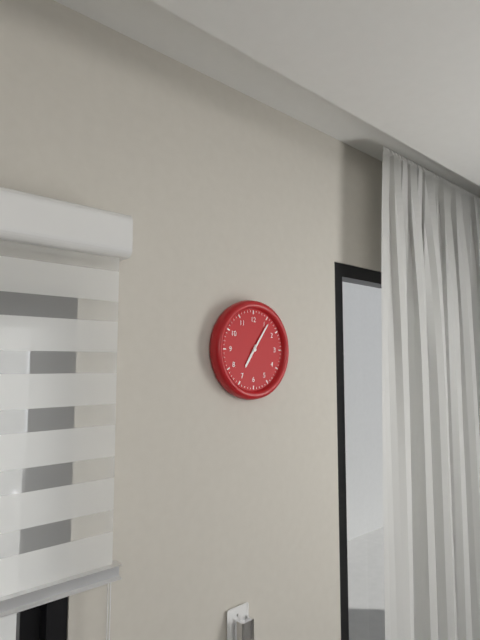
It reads 7,06
